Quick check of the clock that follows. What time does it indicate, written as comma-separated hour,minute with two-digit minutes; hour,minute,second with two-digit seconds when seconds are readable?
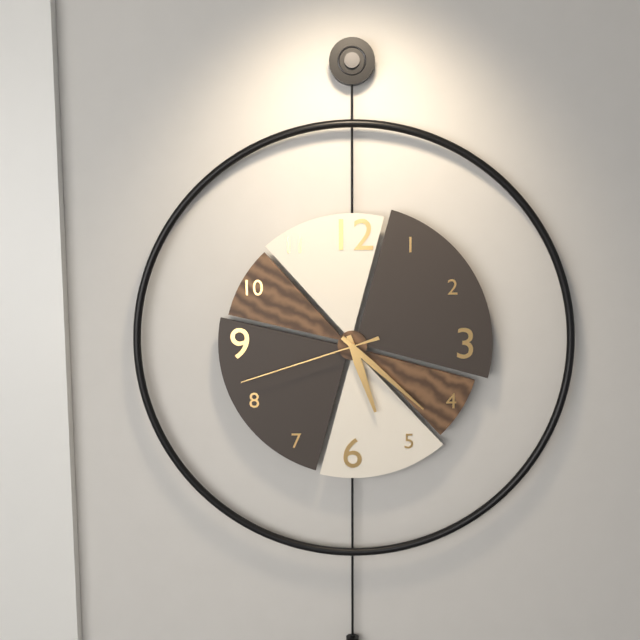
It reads 5,22,42
